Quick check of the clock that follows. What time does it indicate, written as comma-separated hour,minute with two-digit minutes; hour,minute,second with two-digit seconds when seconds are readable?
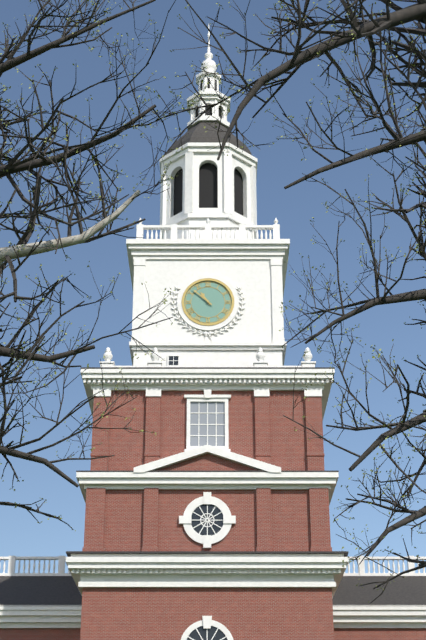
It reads 10,52
